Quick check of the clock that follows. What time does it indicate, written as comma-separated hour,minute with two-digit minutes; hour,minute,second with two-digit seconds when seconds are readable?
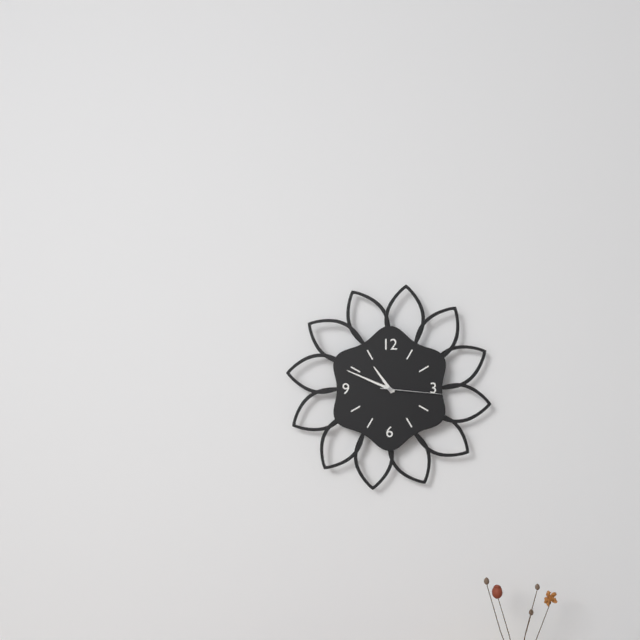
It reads 10,49,16
